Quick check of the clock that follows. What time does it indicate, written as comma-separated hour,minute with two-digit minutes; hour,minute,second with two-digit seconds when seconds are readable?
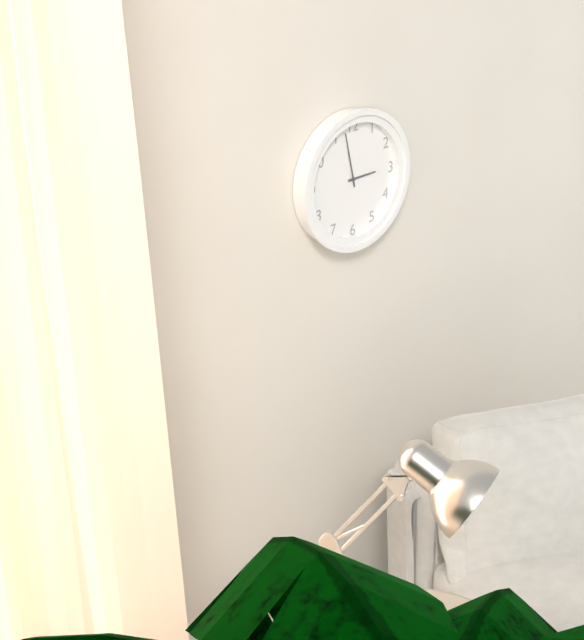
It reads 2,58
